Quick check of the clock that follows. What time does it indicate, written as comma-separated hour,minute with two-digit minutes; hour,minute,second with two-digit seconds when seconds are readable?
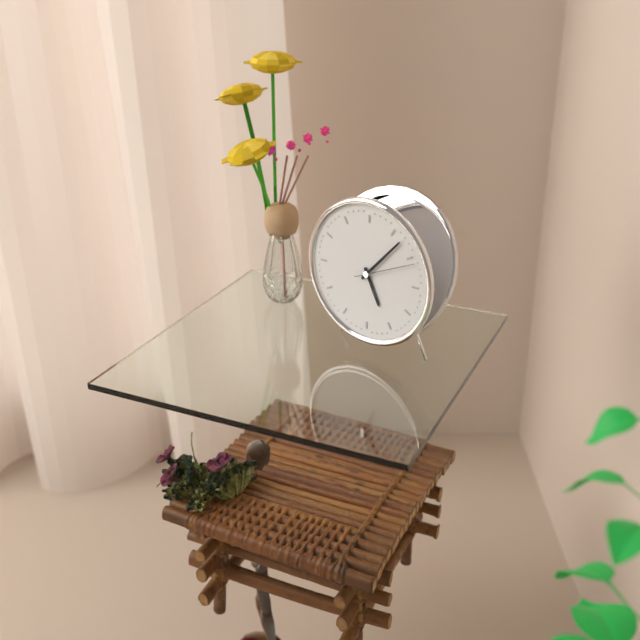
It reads 5,07,11
